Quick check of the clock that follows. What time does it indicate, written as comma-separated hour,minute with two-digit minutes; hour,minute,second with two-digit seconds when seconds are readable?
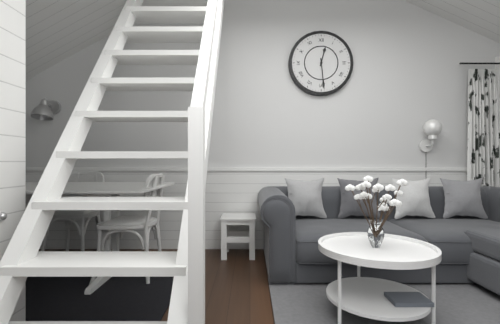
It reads 12,29
